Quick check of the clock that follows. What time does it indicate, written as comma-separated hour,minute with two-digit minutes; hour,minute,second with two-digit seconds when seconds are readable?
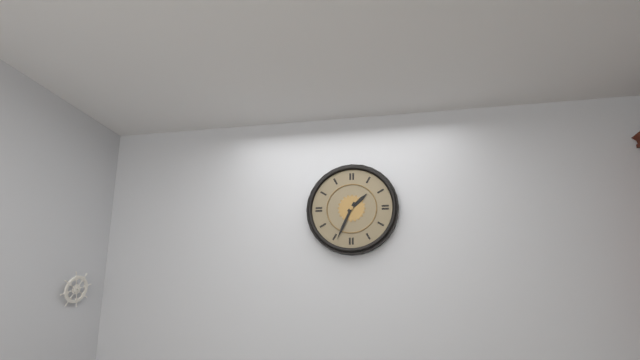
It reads 1,34
